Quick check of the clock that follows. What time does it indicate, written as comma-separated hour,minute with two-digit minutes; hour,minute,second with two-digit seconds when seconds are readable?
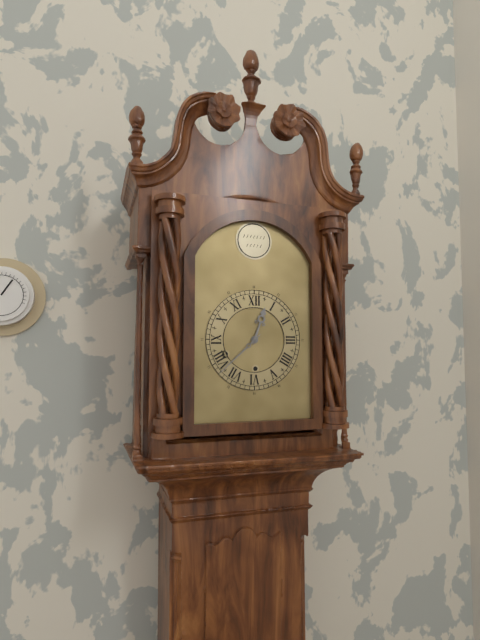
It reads 12,38
